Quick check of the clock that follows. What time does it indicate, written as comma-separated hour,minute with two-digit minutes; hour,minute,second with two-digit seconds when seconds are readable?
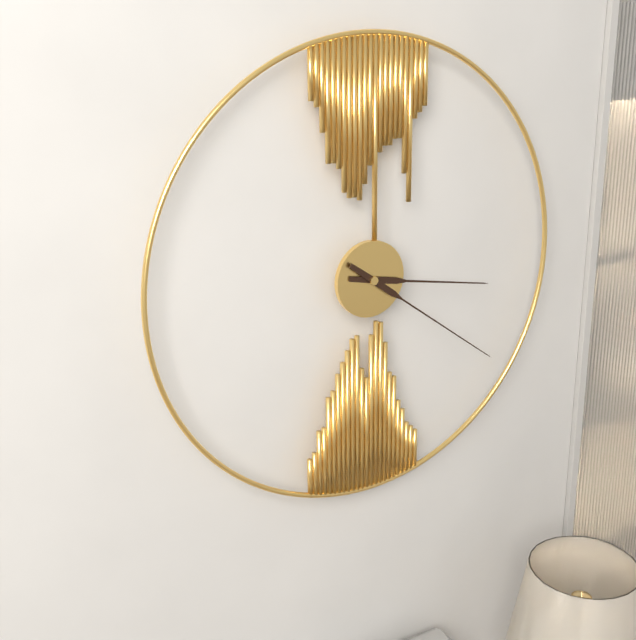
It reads 3,21
